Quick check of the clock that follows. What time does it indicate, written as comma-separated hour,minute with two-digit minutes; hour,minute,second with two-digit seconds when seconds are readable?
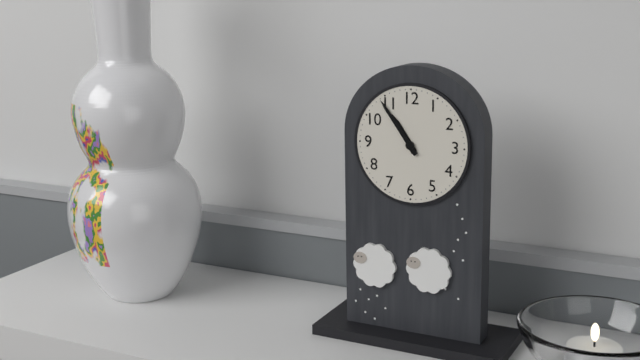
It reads 10,54
